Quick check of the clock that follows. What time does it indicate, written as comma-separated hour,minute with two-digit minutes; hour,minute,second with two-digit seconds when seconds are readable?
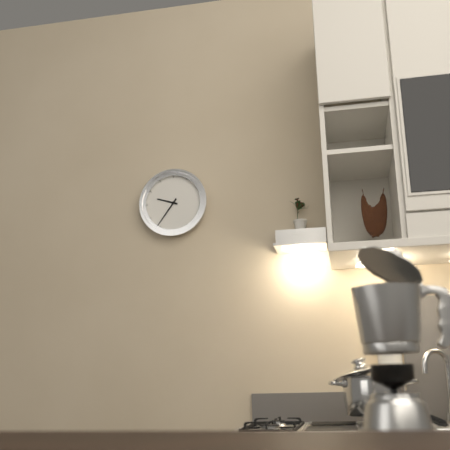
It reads 9,36
